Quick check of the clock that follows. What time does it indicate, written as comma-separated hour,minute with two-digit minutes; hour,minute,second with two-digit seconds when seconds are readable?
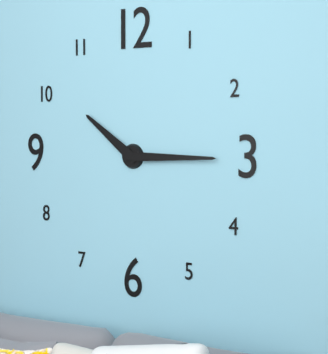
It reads 10,15
